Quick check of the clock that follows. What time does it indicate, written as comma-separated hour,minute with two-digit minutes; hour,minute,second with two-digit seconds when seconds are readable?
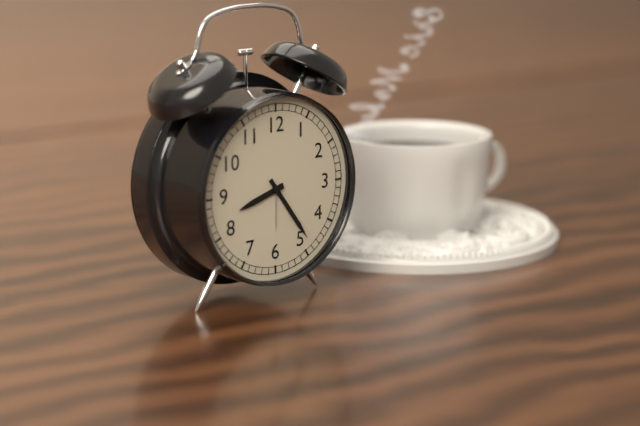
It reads 8,24
